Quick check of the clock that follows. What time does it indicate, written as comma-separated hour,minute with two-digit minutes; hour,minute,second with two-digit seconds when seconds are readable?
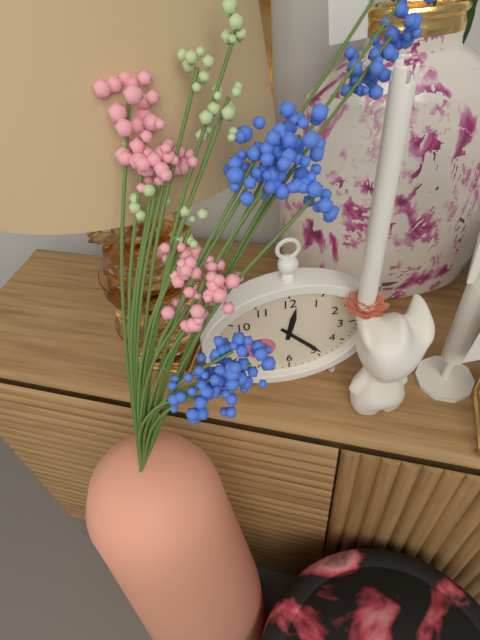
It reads 12,23
